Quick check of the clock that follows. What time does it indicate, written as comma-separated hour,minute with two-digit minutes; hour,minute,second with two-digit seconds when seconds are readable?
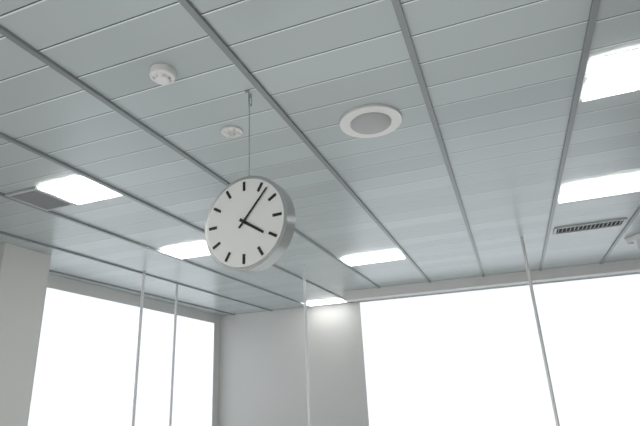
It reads 4,07
